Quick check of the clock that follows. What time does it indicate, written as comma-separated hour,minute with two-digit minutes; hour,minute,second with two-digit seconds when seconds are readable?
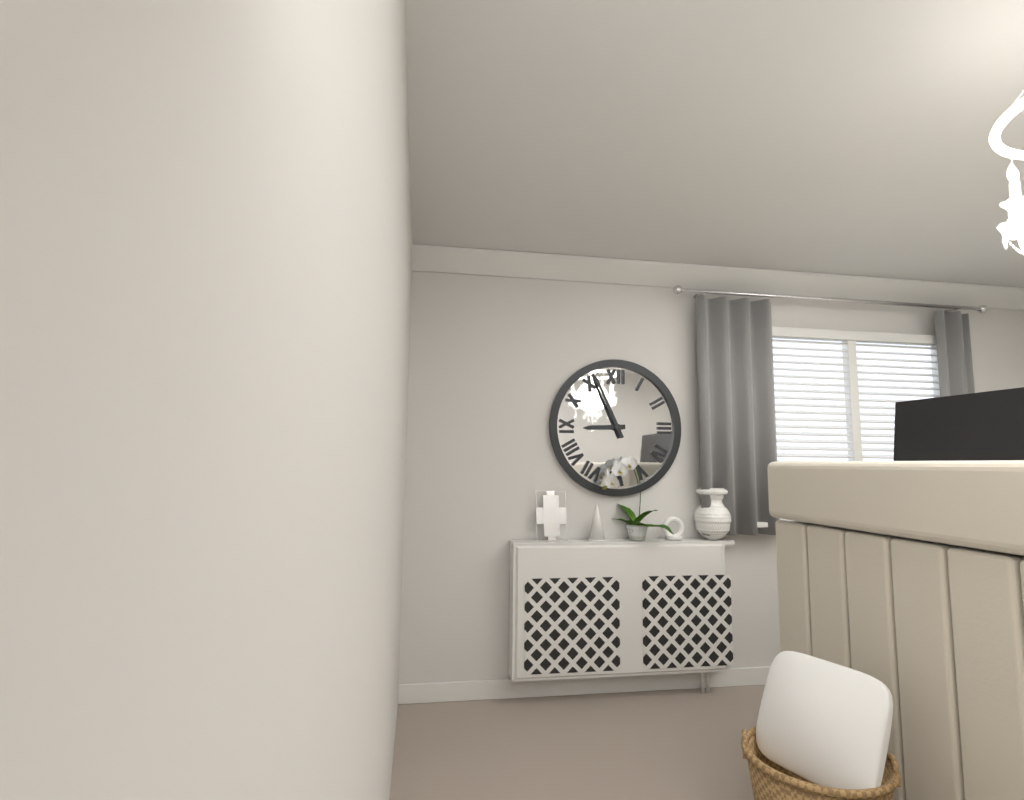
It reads 8,56
